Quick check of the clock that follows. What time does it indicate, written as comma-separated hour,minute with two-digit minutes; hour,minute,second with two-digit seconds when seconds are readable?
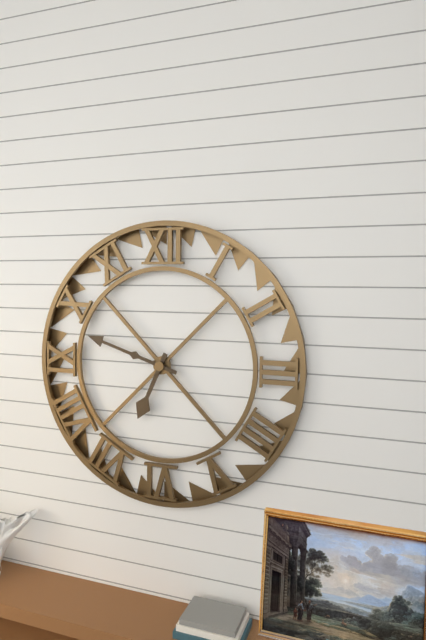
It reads 6,48
